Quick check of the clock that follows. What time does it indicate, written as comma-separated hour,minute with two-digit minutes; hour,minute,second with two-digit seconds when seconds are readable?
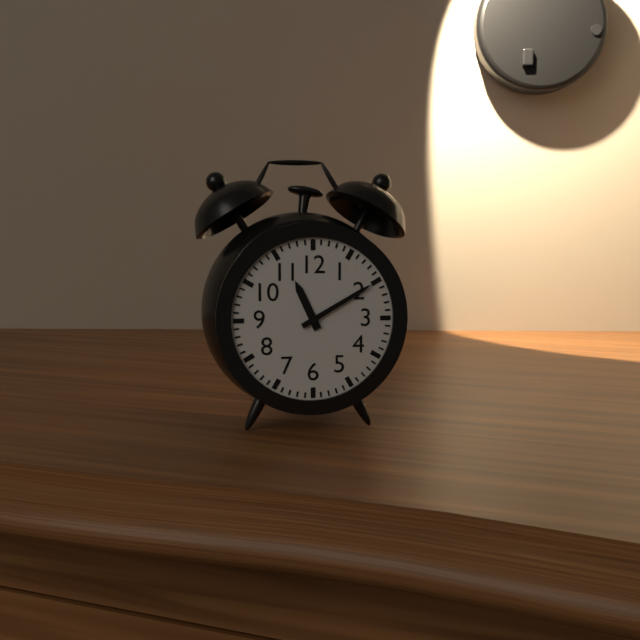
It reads 11,10
